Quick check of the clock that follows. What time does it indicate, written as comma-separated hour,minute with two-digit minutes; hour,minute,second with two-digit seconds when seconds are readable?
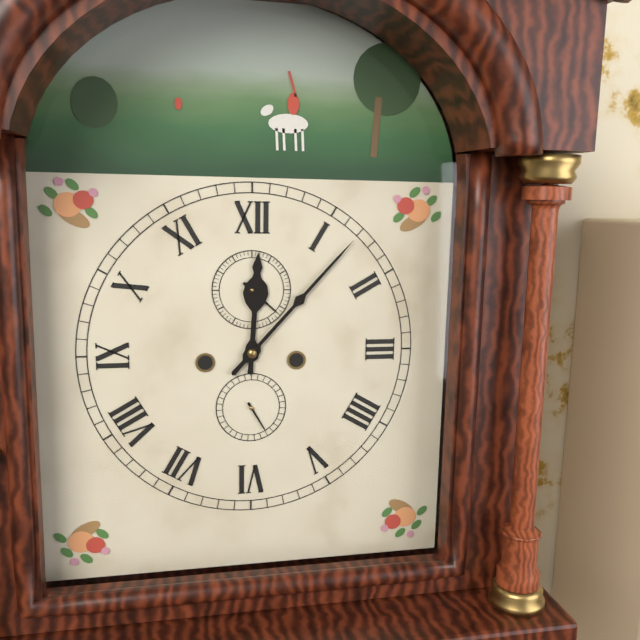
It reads 12,07
